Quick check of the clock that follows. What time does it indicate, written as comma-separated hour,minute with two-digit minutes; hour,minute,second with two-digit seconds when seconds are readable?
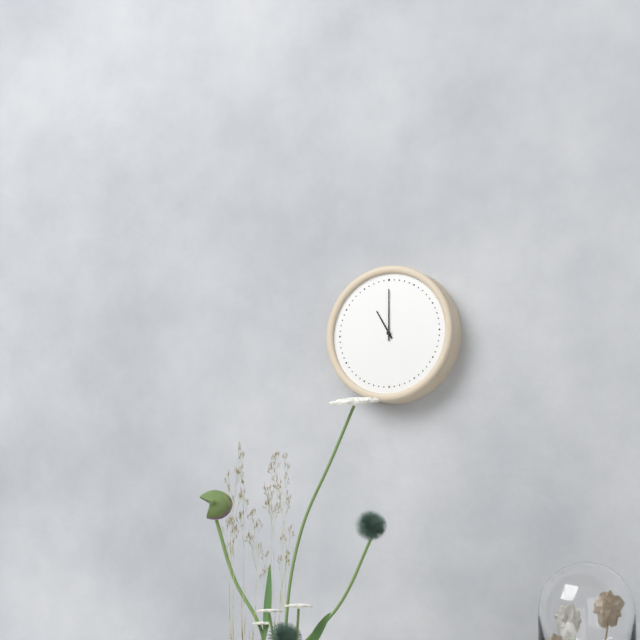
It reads 11,00
